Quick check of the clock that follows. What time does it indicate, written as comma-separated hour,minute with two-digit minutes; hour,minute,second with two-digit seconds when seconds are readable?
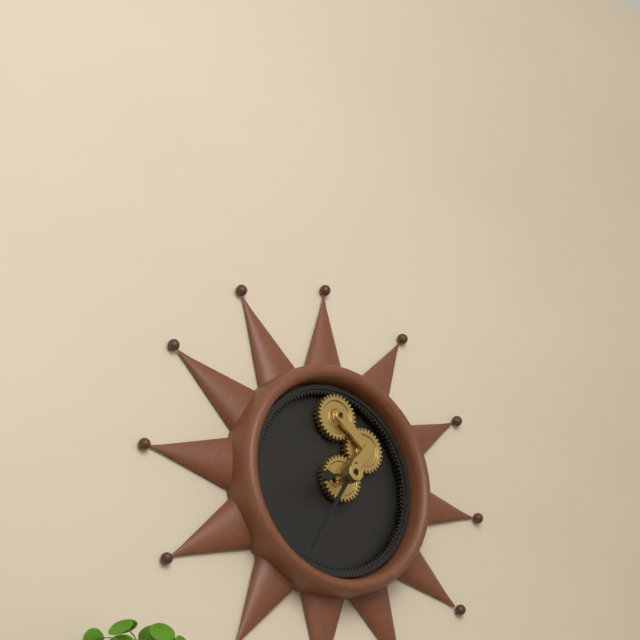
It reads 8,35
